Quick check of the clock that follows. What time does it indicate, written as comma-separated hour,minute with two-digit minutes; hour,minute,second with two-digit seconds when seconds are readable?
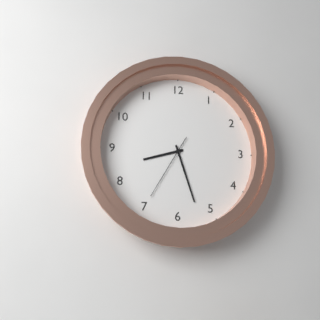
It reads 8,27,35
